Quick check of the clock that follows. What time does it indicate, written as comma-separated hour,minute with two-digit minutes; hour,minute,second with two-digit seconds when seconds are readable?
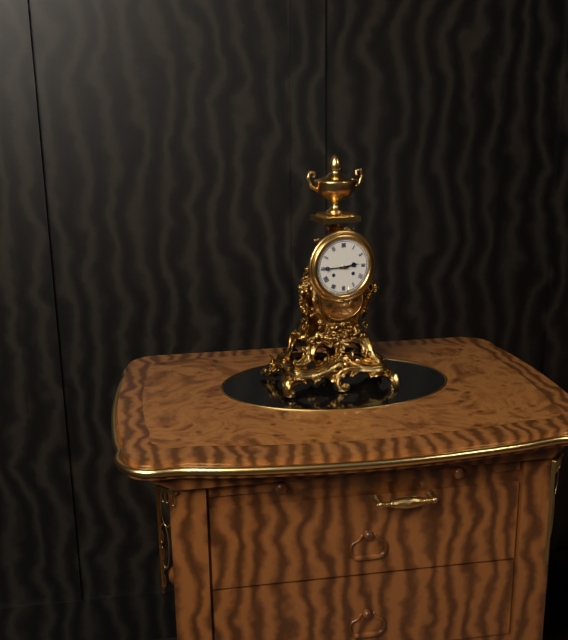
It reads 2,45
